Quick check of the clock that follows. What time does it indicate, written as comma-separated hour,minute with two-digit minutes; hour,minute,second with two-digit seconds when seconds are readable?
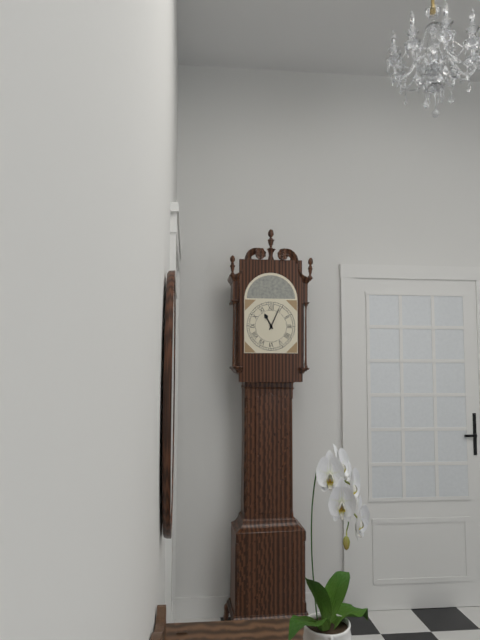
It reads 11,04
